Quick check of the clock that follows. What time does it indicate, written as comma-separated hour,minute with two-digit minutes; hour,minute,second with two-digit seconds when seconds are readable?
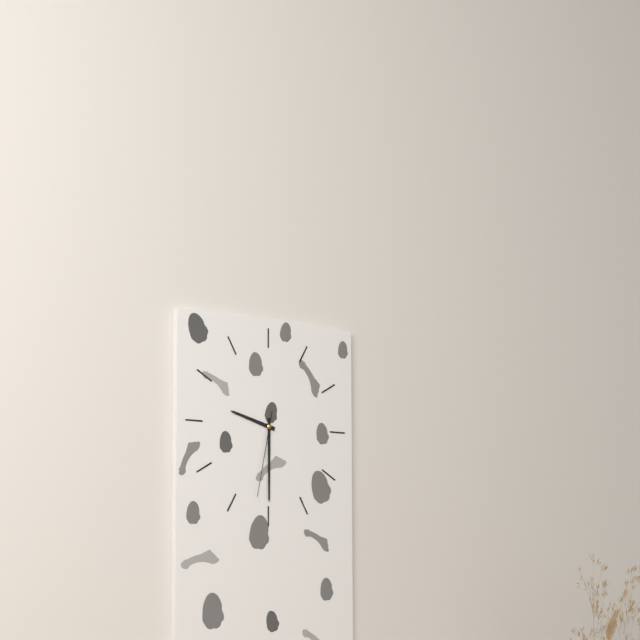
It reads 9,30,32
